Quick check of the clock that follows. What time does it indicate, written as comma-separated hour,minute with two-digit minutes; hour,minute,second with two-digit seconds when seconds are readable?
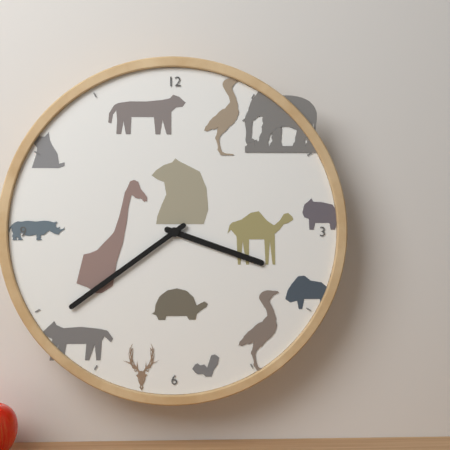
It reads 3,39
